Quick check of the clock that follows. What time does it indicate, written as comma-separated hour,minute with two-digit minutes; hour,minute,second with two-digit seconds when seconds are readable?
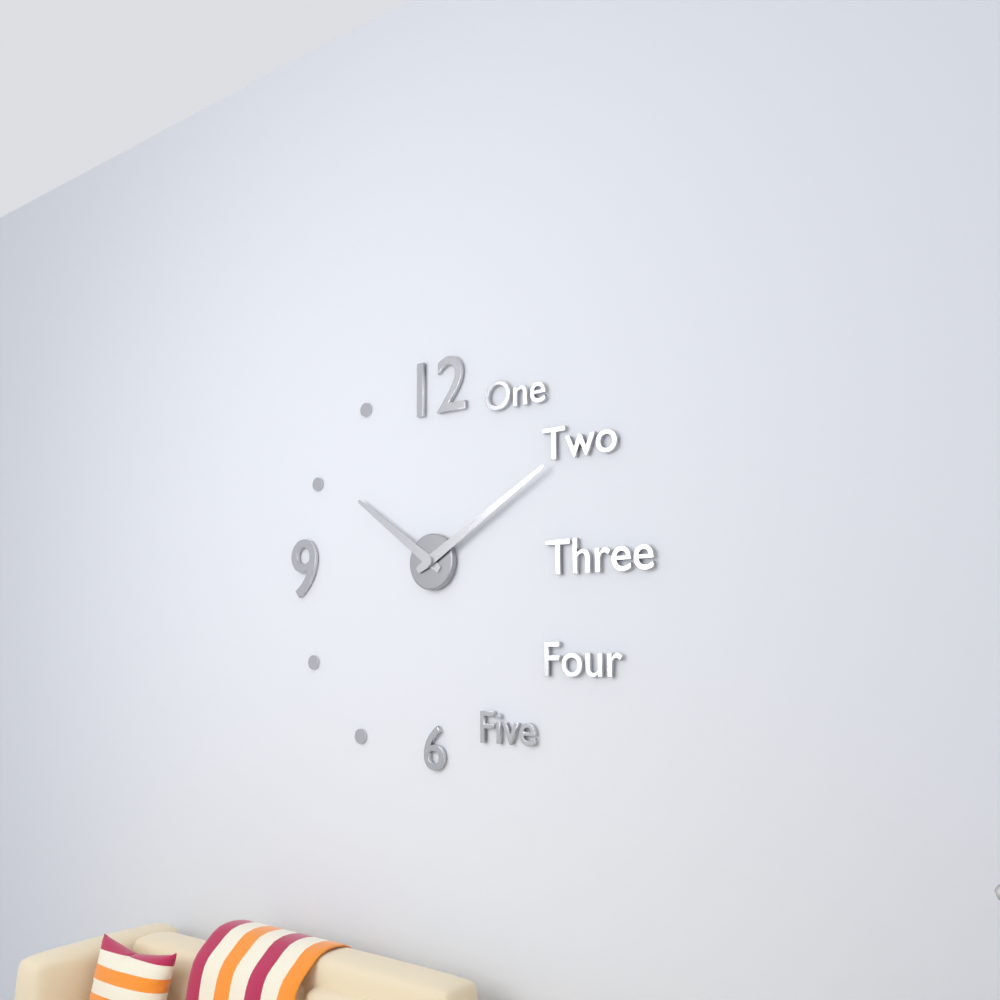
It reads 10,10
